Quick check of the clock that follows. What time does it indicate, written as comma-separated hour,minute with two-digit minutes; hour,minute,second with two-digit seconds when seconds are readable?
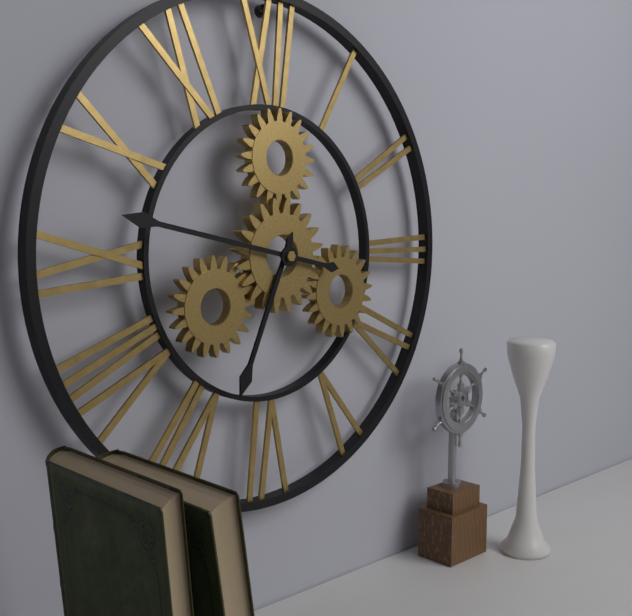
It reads 6,47
